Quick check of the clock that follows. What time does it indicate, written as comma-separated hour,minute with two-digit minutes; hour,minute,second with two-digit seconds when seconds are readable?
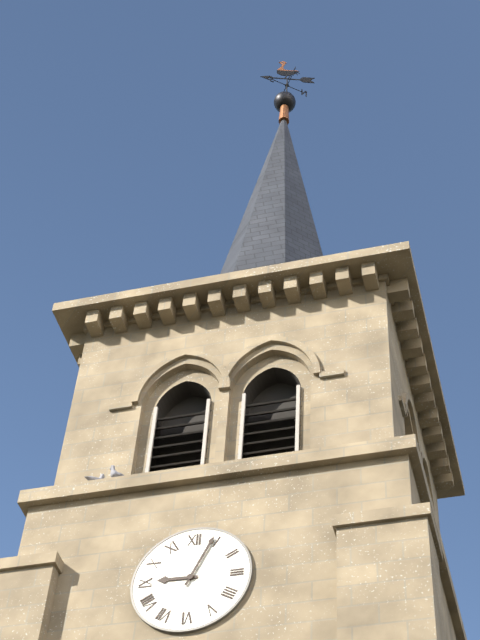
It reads 9,04
